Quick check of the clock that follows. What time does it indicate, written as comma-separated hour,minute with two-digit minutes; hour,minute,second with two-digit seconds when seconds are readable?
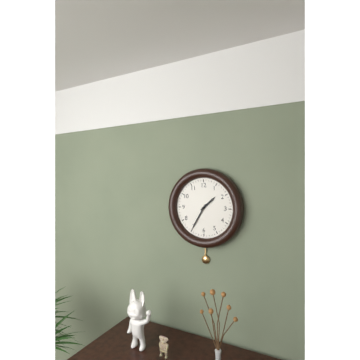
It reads 1,35
